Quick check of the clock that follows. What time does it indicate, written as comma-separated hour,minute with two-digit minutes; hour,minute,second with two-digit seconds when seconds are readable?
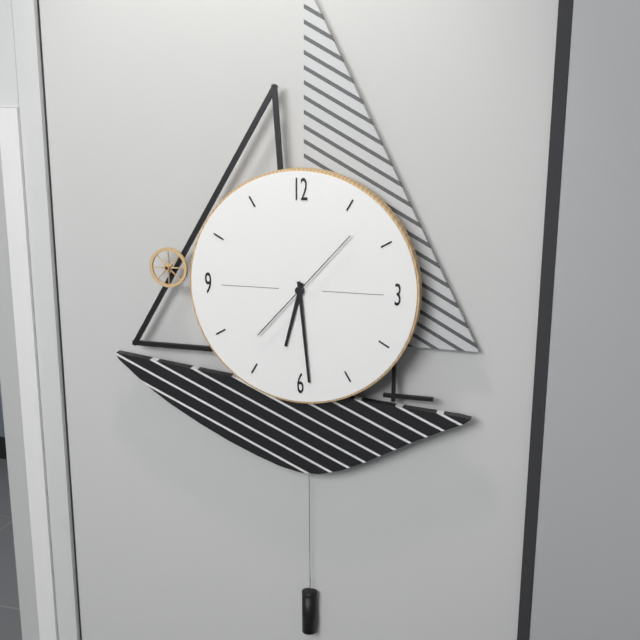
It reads 6,29,07
